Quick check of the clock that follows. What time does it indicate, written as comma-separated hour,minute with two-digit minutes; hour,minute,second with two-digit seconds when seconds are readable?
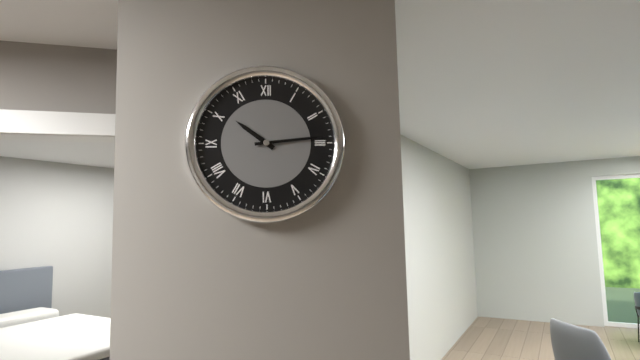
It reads 10,14
